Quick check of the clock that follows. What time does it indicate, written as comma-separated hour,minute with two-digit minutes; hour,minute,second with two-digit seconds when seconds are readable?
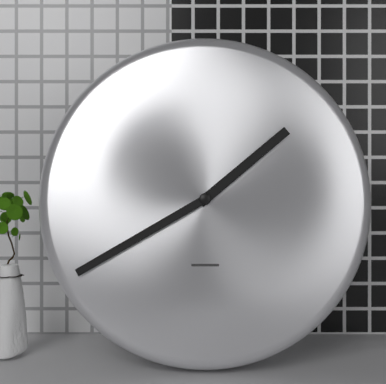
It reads 1,40
